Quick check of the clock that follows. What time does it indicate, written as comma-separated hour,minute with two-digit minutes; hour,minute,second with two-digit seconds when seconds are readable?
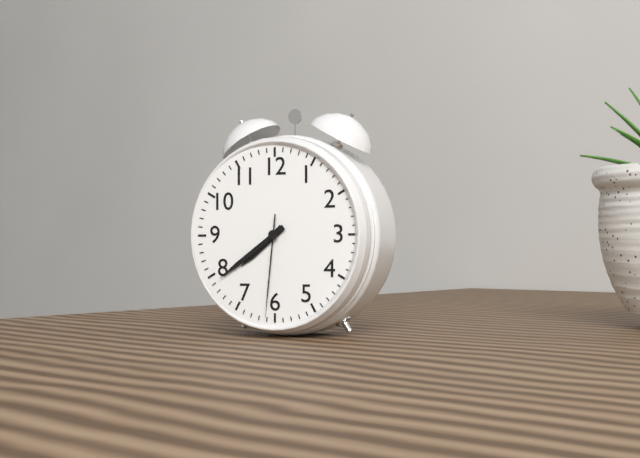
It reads 7,39,31
